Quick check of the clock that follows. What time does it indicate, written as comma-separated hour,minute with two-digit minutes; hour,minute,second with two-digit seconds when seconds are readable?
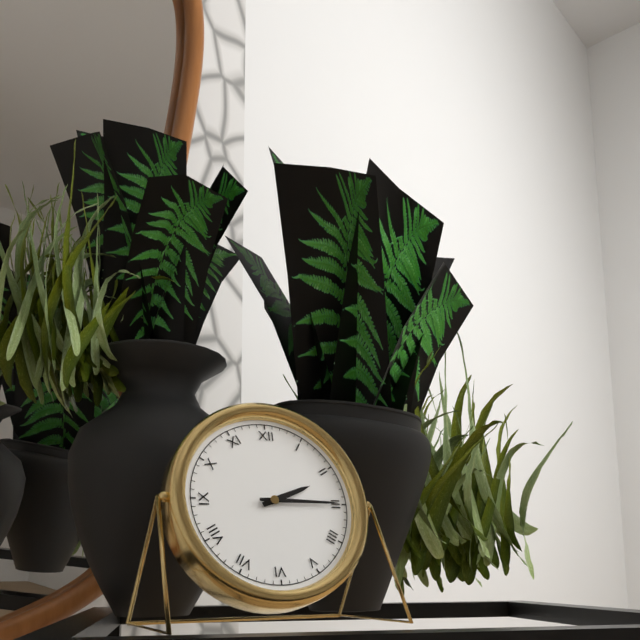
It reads 2,15
